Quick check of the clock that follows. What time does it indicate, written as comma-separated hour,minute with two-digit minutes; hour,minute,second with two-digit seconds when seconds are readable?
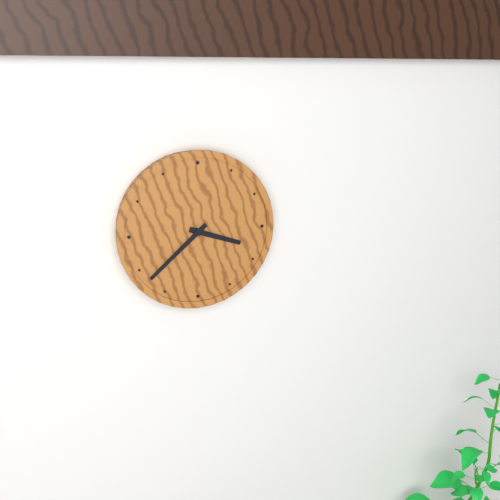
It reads 3,38
